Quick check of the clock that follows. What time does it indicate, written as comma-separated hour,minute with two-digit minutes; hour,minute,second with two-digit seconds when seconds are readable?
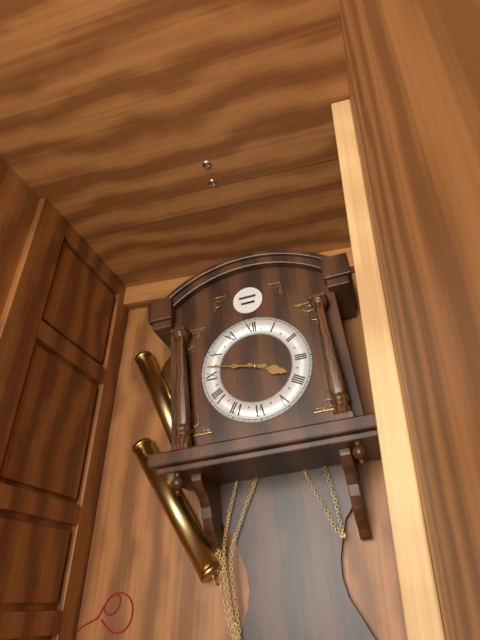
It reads 3,47
